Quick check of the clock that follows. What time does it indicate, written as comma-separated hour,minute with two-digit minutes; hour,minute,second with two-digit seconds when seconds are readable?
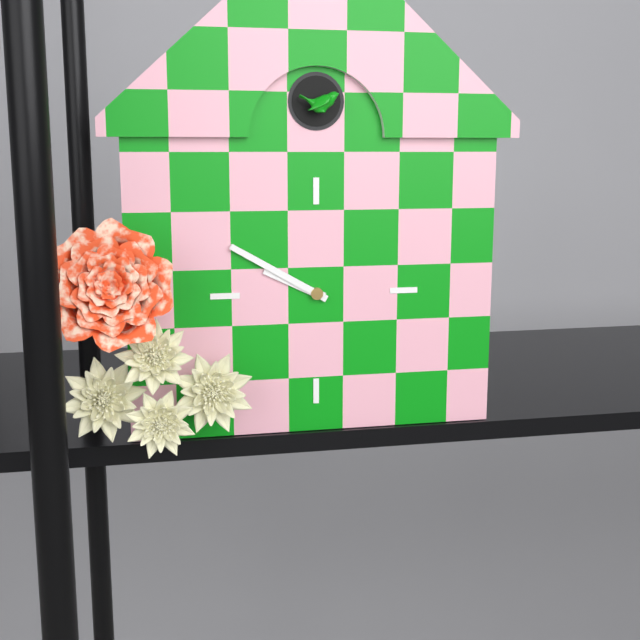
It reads 9,50
